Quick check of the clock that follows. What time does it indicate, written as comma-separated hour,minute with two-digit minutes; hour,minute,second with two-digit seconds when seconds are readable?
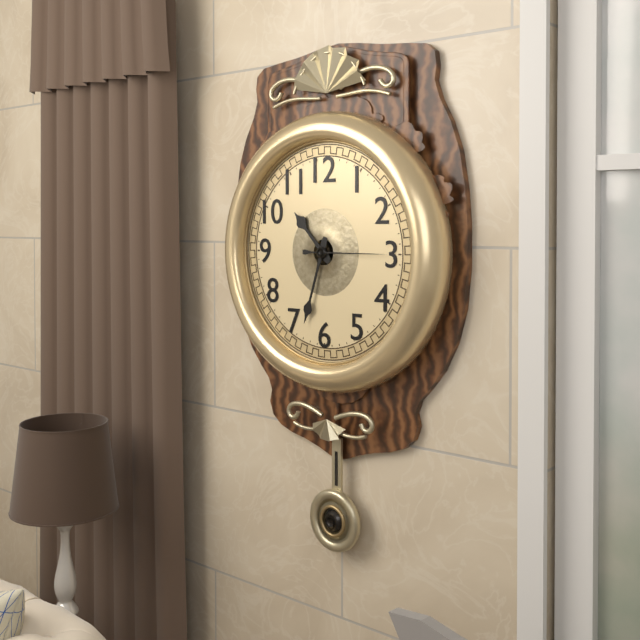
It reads 10,33,15
